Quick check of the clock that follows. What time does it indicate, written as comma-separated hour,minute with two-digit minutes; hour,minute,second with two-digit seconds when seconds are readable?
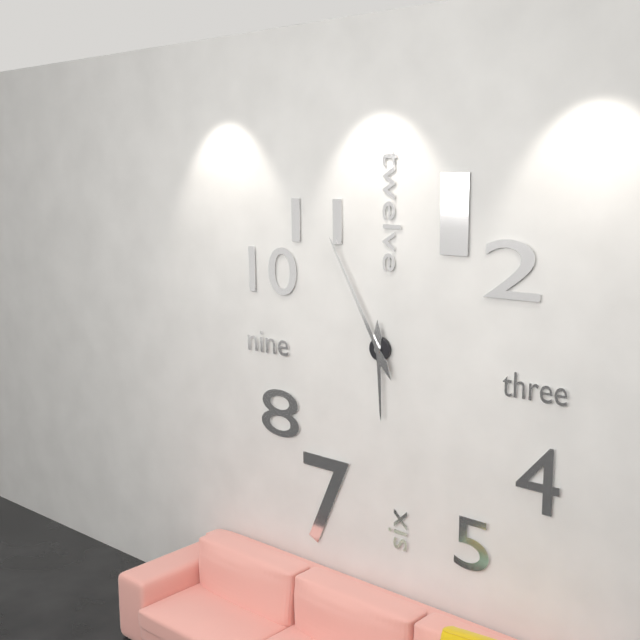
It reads 5,55
